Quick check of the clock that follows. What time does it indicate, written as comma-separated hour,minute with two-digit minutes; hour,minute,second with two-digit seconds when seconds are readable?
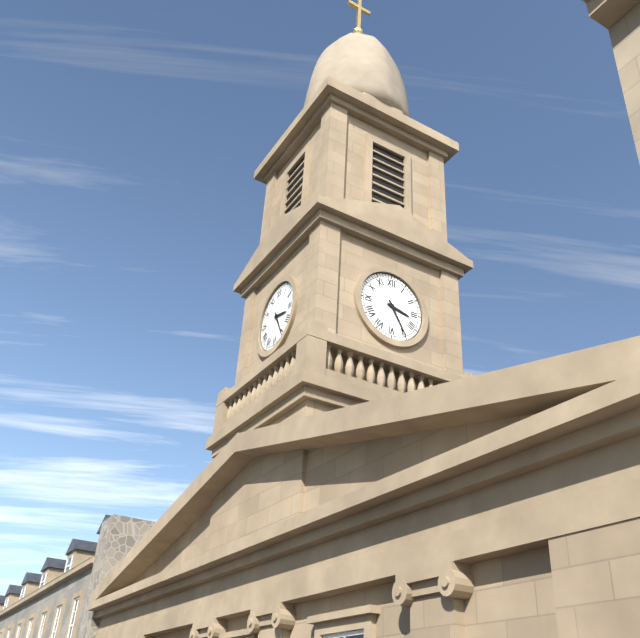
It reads 3,25
